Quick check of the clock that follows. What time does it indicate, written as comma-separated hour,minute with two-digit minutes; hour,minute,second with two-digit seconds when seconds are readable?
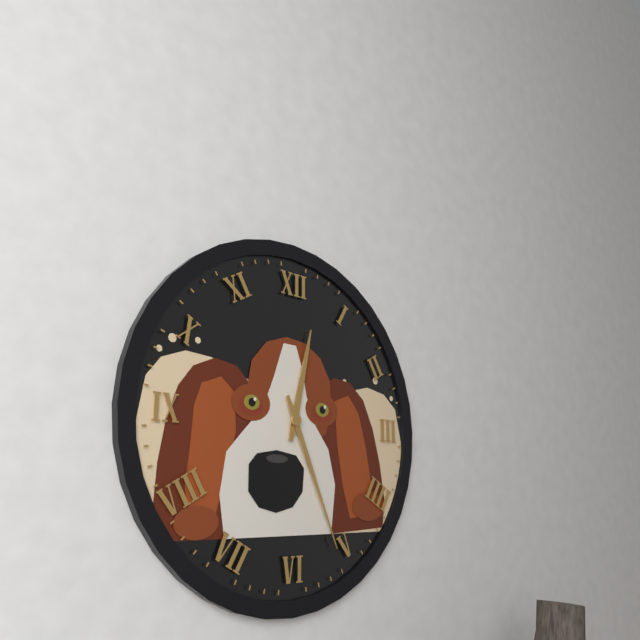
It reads 12,26
